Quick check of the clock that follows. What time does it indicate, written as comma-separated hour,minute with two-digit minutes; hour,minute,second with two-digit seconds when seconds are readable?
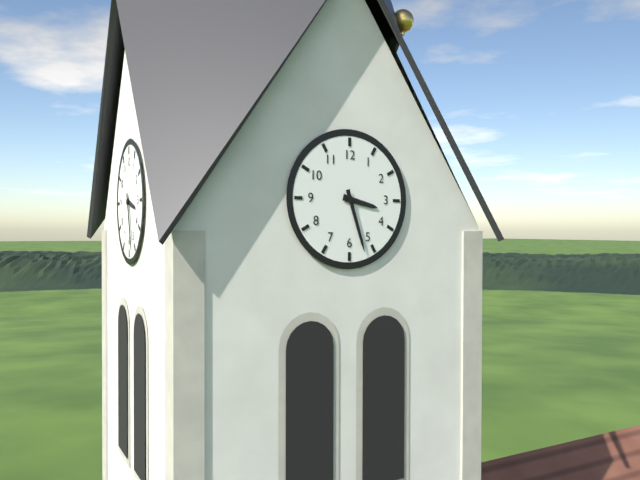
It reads 3,27
